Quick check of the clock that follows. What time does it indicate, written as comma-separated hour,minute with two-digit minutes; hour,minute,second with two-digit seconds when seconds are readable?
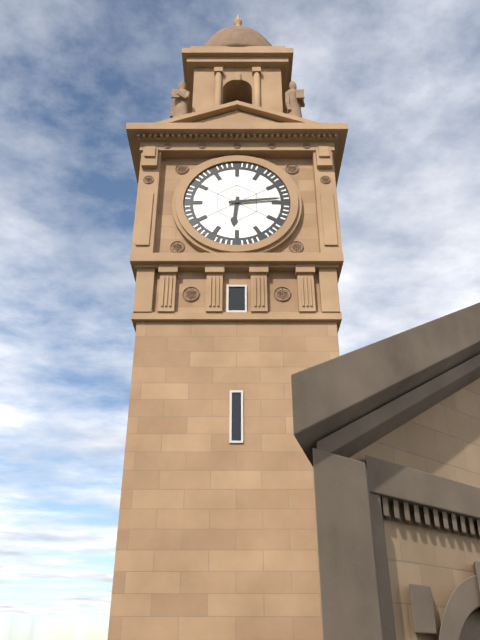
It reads 6,14
